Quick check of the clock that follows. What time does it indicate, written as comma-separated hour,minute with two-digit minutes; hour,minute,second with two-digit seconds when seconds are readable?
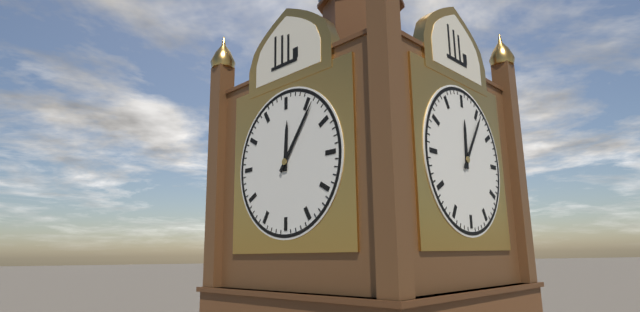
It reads 12,06
